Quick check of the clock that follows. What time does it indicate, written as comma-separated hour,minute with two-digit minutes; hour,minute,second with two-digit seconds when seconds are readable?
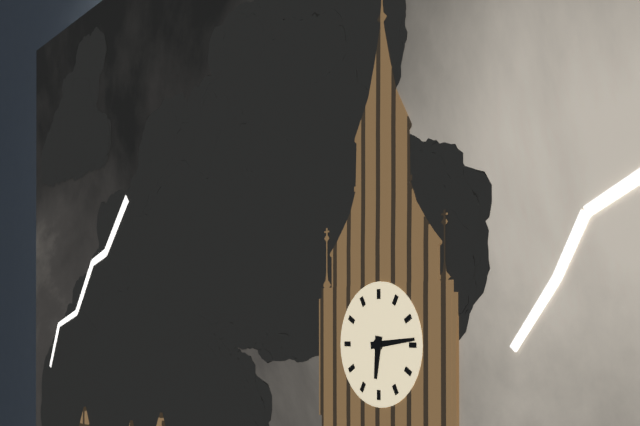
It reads 6,14
